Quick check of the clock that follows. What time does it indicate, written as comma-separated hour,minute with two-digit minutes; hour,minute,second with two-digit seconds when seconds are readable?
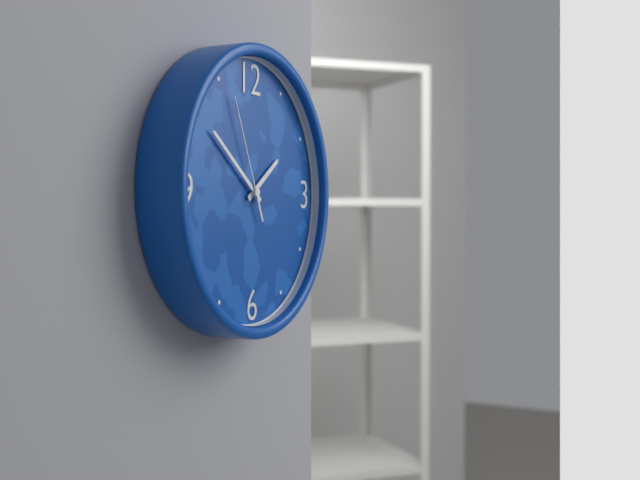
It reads 1,51,56
